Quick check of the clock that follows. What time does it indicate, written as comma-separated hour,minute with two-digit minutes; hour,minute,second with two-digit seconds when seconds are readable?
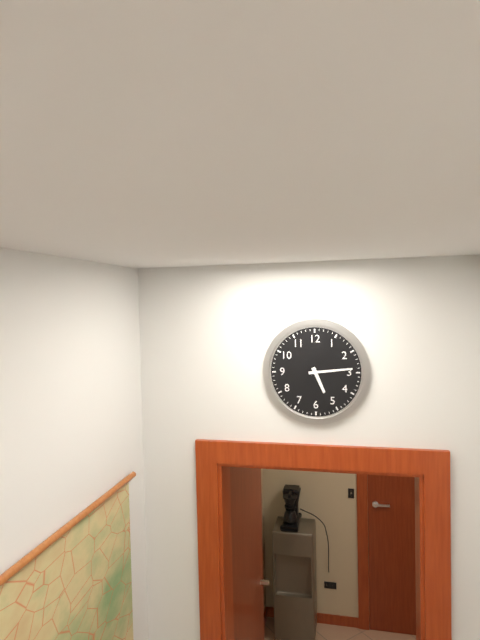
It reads 5,14
